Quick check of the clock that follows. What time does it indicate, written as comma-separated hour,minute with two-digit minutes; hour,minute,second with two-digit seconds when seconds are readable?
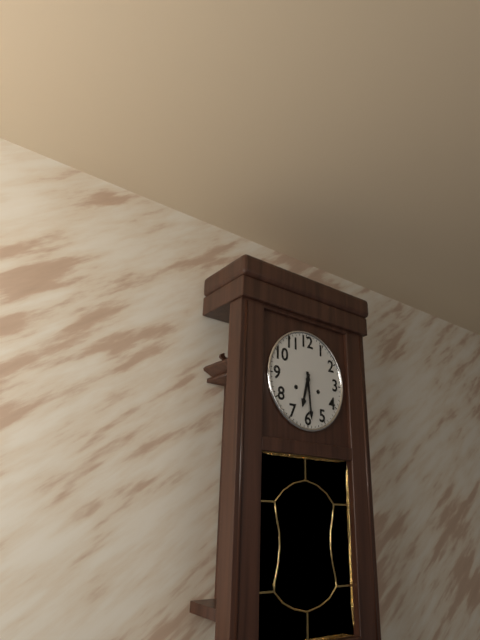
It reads 6,29
